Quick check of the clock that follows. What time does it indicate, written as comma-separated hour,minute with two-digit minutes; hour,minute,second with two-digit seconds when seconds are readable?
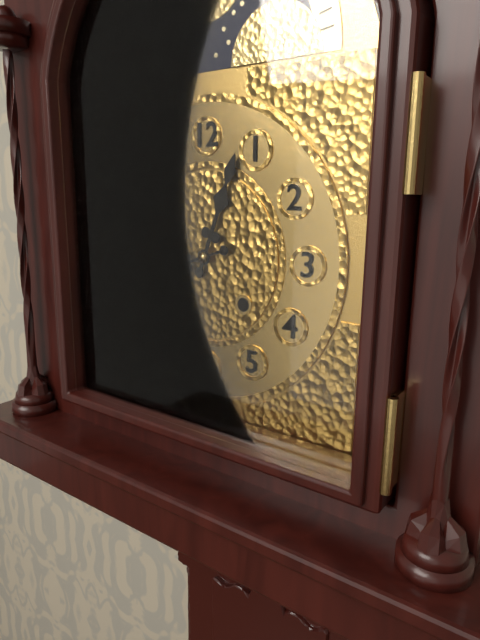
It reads 12,42
